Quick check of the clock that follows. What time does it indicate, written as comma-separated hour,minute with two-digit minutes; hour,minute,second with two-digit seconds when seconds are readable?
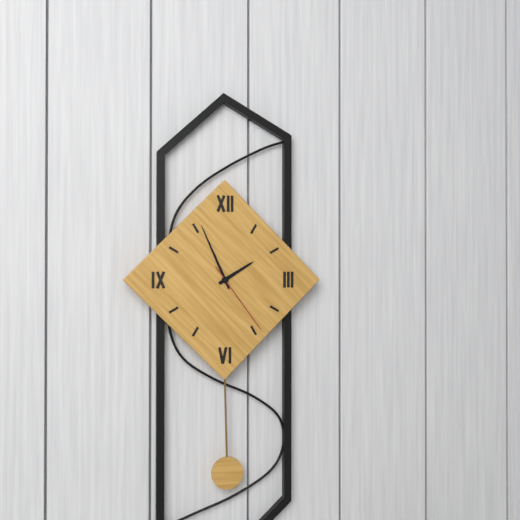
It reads 1,56,24
